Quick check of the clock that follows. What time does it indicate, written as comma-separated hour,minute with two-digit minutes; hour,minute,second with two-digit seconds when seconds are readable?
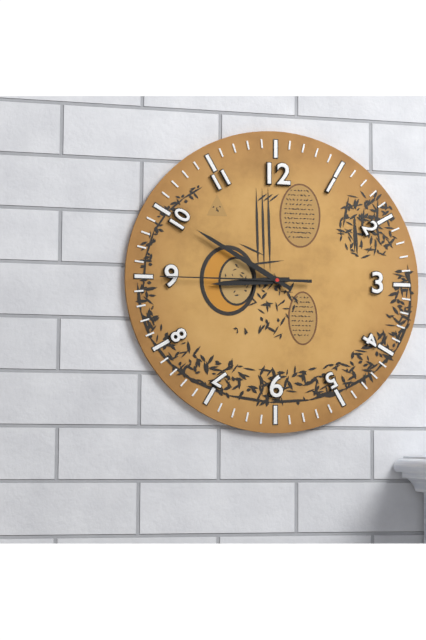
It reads 8,50,45
